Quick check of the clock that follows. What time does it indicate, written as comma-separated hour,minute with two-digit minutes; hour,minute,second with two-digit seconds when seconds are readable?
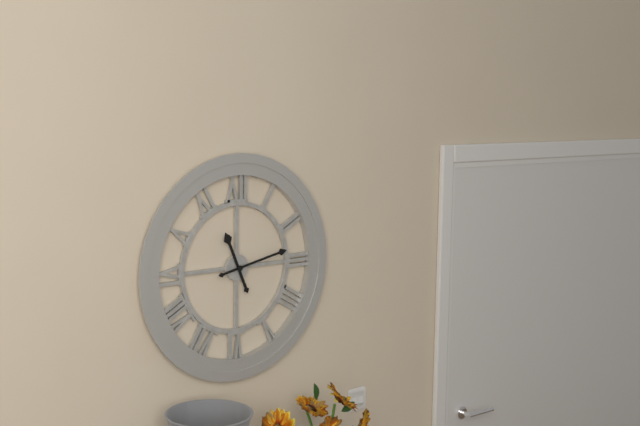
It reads 11,13
